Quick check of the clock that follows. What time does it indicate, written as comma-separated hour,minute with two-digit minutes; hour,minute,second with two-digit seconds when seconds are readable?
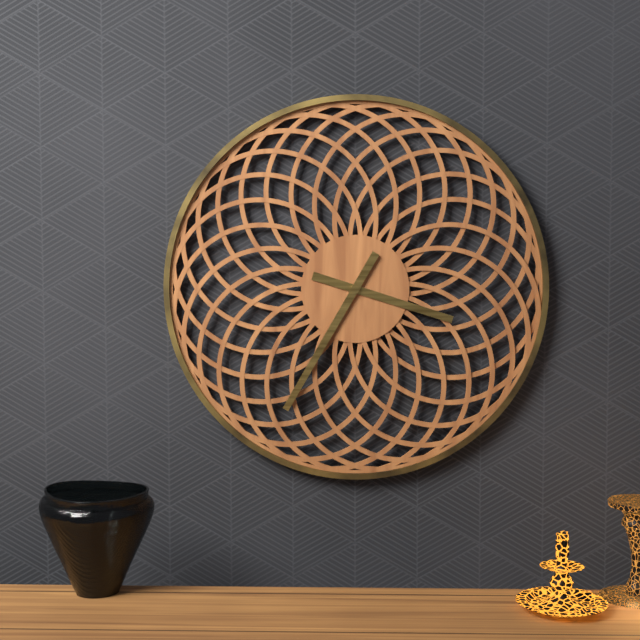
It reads 3,35
